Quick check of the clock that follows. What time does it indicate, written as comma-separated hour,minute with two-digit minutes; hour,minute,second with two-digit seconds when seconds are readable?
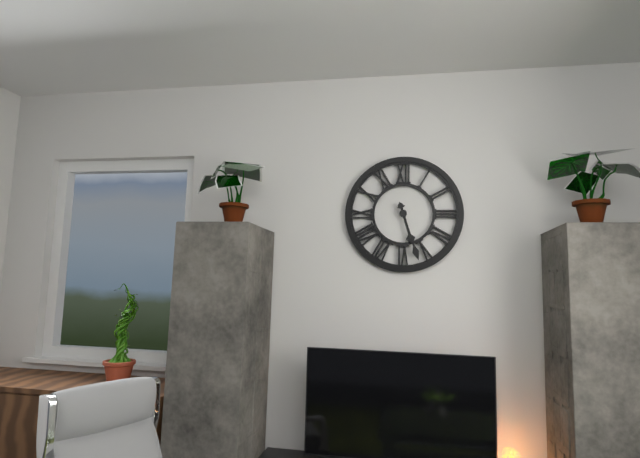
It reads 5,27
